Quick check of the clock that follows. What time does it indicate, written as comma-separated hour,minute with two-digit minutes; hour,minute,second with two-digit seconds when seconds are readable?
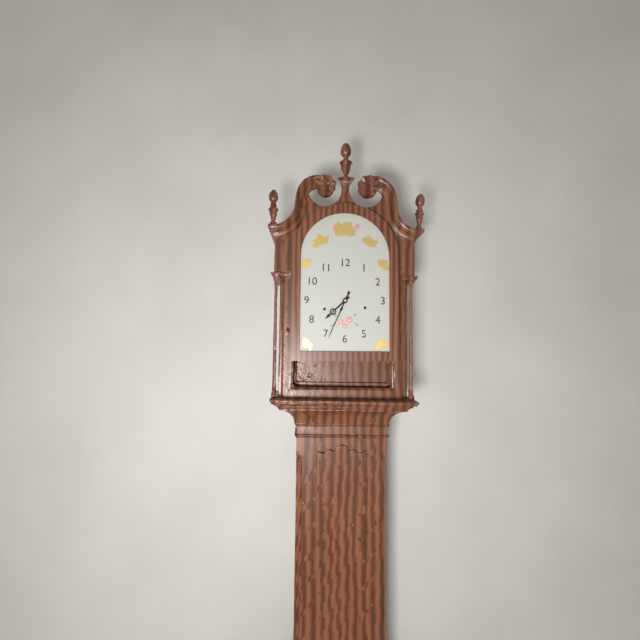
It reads 7,34
